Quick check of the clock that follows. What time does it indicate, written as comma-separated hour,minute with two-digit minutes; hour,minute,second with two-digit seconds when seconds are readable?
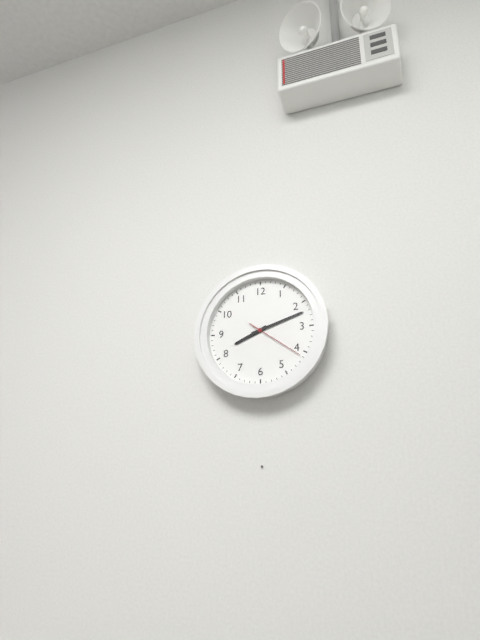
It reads 8,12,21
